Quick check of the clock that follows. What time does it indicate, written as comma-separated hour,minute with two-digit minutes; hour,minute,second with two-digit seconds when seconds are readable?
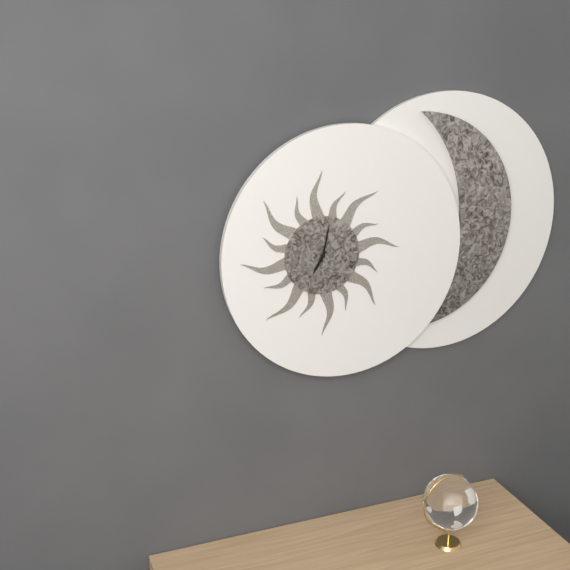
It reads 7,02
